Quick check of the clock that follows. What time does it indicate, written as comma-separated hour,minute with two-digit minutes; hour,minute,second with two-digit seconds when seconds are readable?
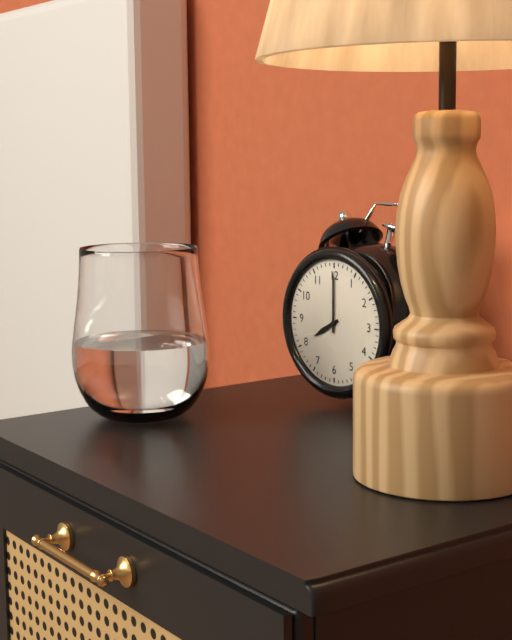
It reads 8,00
